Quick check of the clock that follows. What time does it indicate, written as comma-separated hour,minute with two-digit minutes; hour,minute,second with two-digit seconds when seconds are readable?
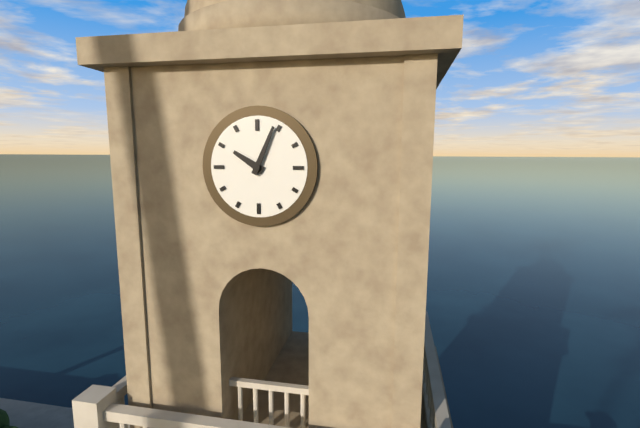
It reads 10,04
